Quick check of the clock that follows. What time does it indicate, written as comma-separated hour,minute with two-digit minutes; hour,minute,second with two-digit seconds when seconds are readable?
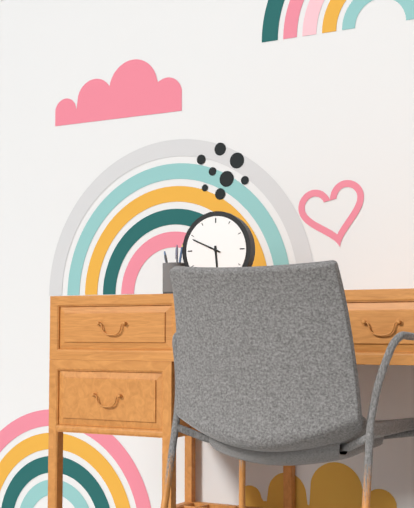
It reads 5,49
